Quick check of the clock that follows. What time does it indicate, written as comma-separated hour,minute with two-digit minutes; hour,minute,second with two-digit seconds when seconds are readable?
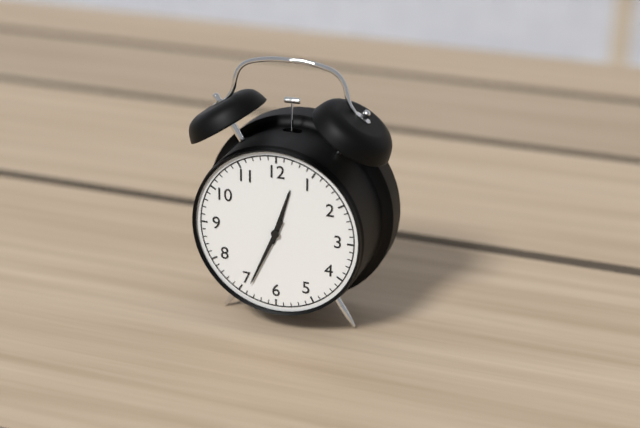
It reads 12,34
